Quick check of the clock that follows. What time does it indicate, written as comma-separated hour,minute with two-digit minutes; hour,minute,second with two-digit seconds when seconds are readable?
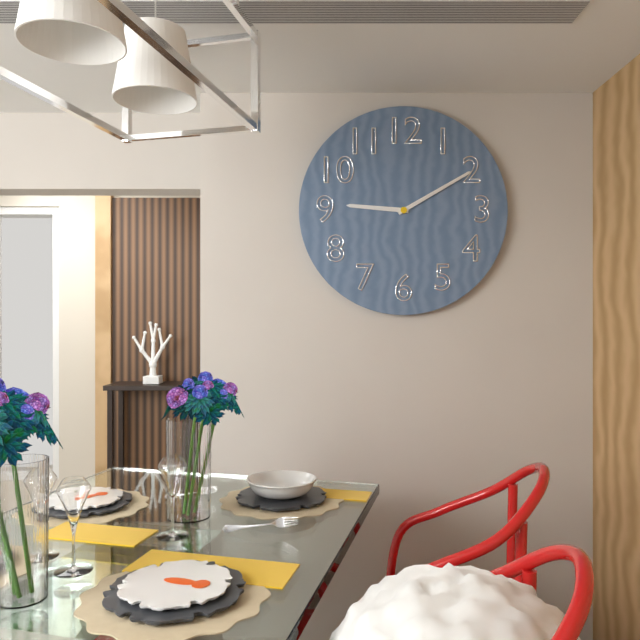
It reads 9,10
